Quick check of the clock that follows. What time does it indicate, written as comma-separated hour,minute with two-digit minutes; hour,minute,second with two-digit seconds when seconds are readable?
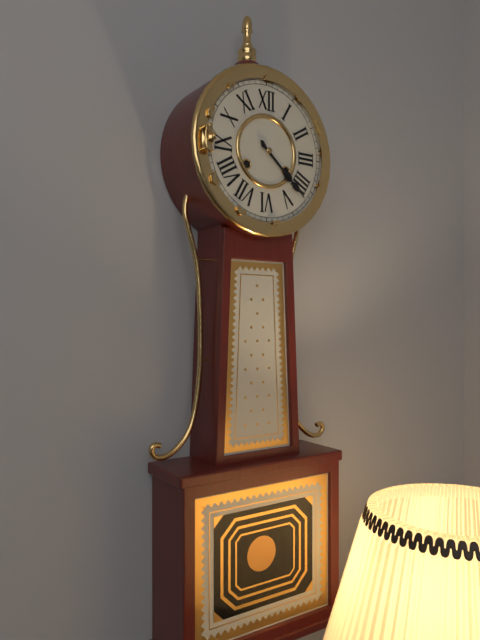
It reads 4,22
